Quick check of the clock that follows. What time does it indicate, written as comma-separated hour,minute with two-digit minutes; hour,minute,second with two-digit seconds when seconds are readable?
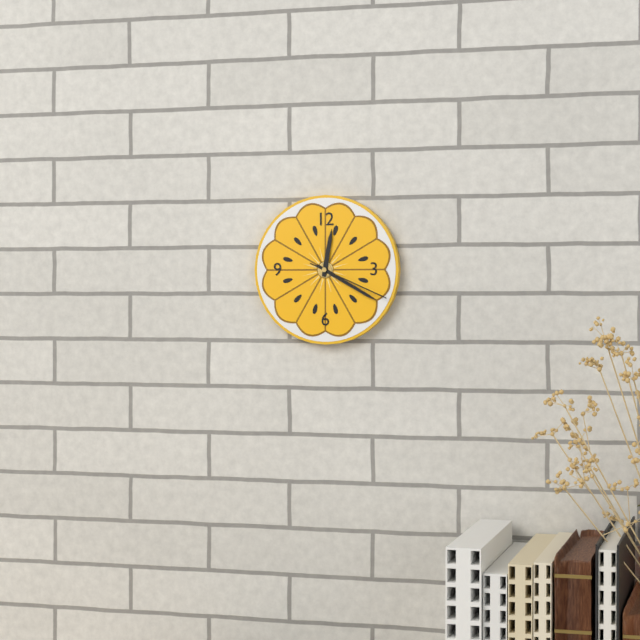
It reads 12,20,19
